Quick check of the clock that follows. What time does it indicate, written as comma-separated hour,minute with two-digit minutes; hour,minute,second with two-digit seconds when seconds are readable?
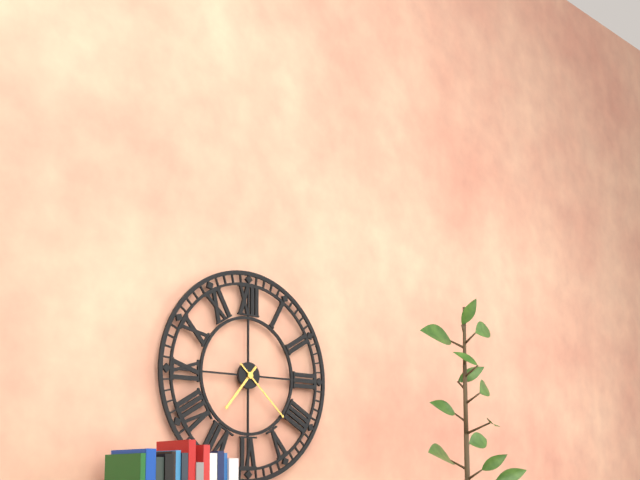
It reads 7,22
